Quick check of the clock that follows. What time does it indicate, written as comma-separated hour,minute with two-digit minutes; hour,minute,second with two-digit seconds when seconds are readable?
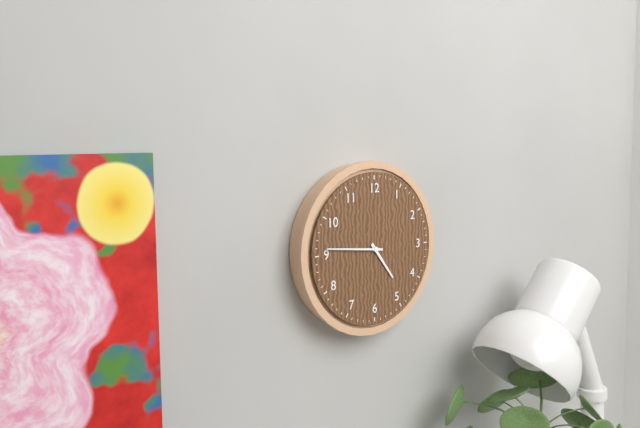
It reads 4,46
